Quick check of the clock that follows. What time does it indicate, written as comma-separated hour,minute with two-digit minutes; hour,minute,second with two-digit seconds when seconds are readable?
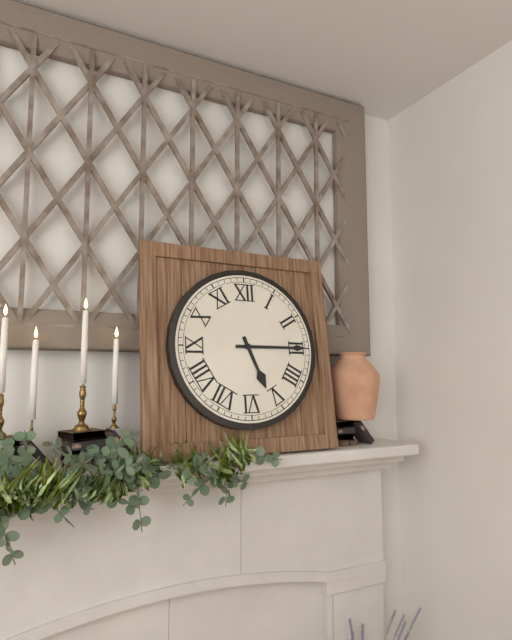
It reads 5,15
